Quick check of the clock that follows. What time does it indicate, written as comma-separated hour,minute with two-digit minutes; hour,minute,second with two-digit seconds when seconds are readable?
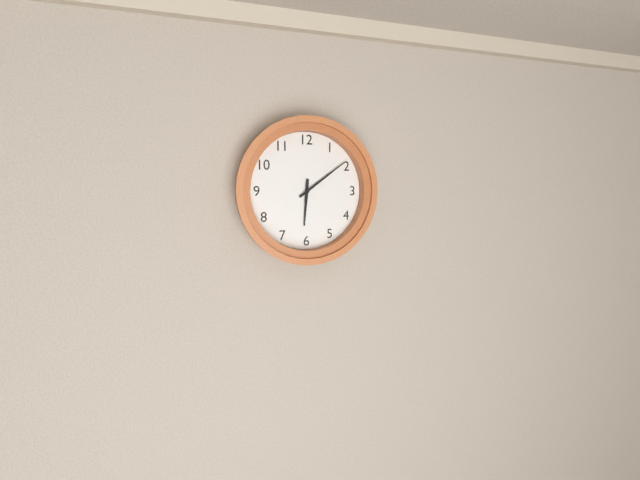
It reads 6,09
